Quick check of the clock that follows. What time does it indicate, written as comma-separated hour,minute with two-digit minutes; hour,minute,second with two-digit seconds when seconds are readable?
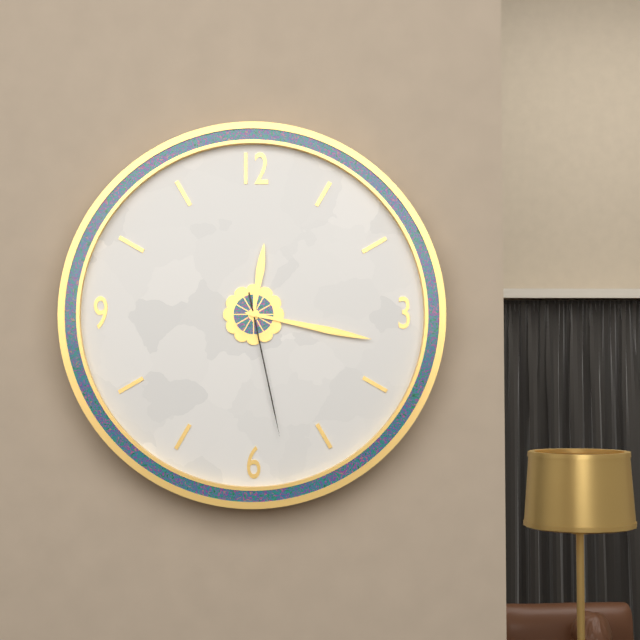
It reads 12,17,28
